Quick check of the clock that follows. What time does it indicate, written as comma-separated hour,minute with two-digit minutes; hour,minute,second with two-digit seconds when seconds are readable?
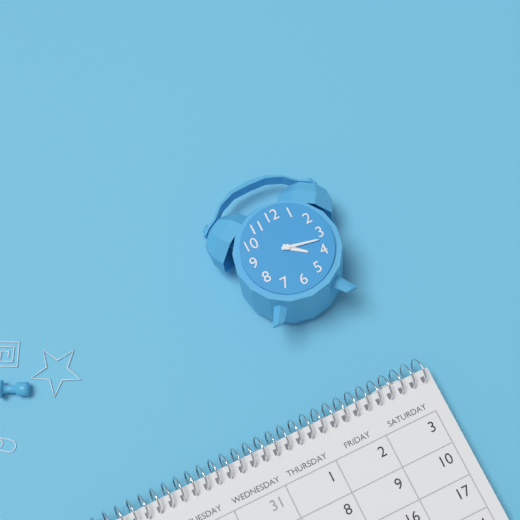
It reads 4,17
